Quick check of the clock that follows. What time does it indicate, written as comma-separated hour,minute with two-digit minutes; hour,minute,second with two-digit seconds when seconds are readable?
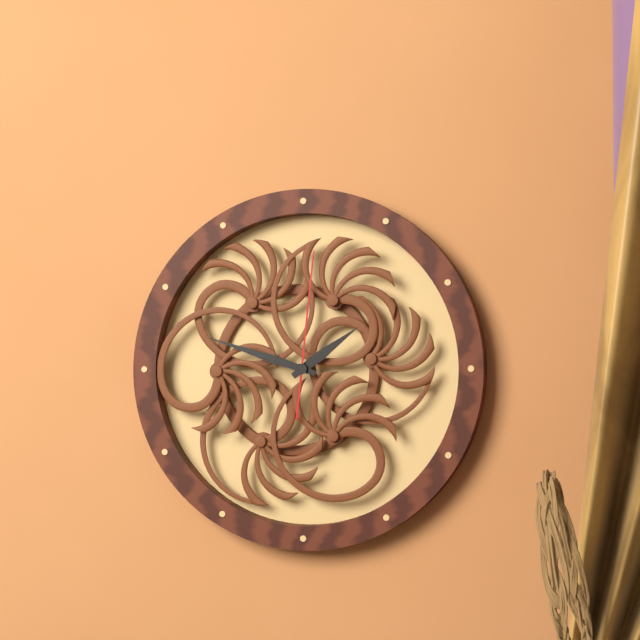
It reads 1,48,01
